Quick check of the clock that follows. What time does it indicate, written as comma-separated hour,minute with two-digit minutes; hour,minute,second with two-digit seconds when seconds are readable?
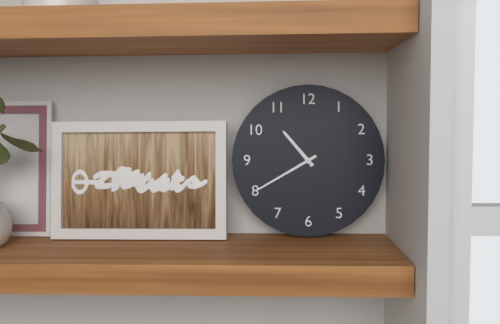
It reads 10,40
